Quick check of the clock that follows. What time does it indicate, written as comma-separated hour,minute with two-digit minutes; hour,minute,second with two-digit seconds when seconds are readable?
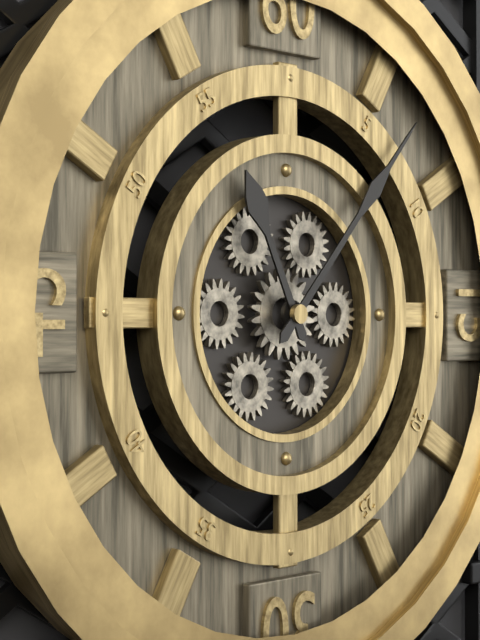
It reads 11,07
